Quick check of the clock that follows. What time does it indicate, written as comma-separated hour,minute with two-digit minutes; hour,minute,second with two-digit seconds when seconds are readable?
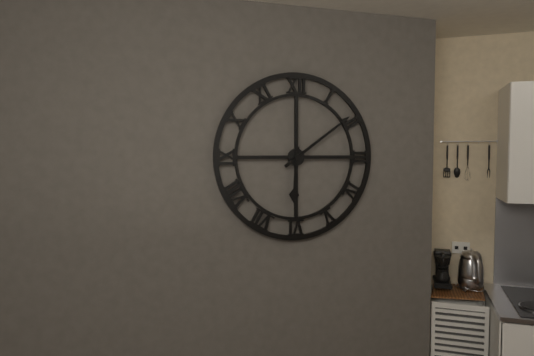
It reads 6,09
